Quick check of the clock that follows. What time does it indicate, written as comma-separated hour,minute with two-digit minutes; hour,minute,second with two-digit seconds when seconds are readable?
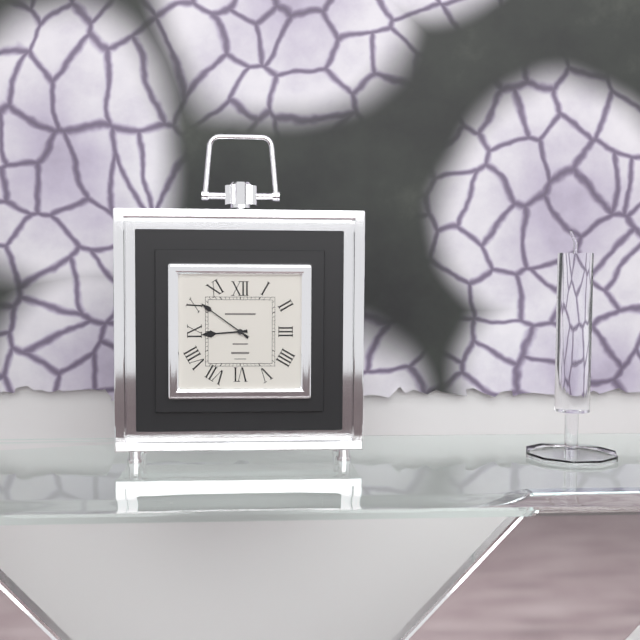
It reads 8,51
